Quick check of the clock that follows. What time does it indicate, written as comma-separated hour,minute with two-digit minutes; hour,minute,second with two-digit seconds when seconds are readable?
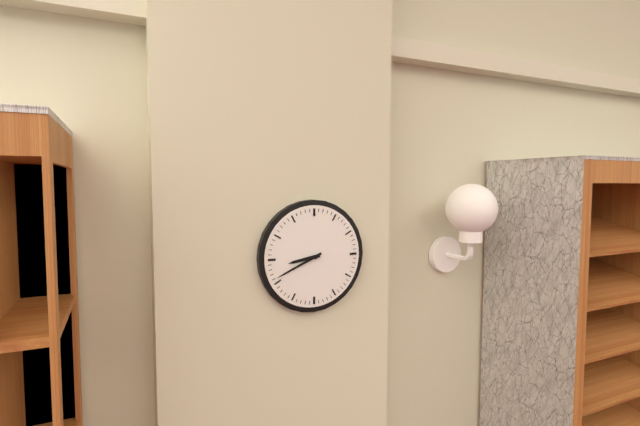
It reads 8,41
